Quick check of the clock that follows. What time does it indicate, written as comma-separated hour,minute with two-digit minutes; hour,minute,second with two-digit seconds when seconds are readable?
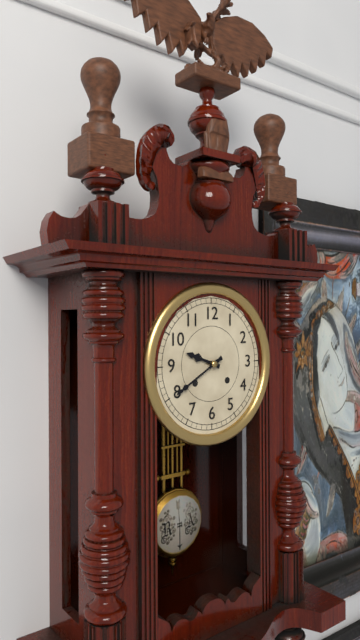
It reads 9,40
